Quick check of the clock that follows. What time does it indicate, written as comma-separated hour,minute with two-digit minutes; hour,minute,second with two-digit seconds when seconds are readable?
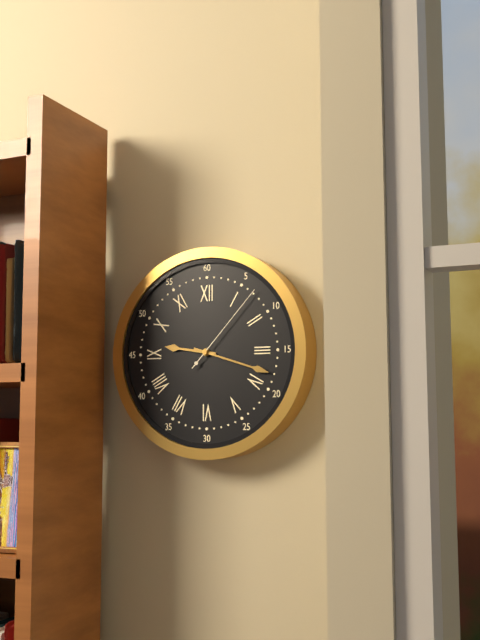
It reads 9,18,07
